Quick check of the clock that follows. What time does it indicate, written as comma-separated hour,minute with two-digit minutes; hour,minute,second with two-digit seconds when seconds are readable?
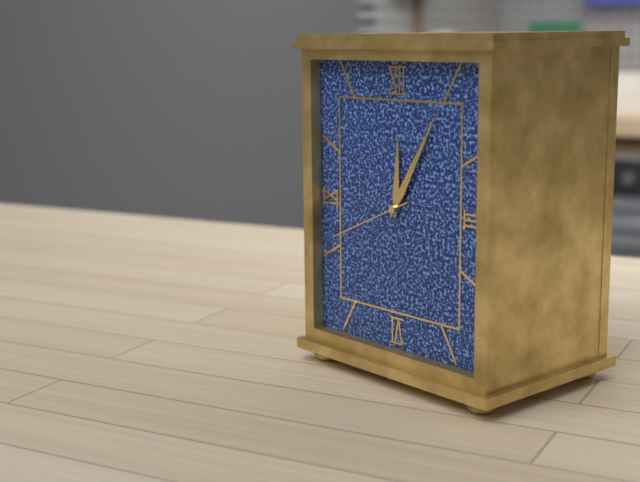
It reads 12,05,41
